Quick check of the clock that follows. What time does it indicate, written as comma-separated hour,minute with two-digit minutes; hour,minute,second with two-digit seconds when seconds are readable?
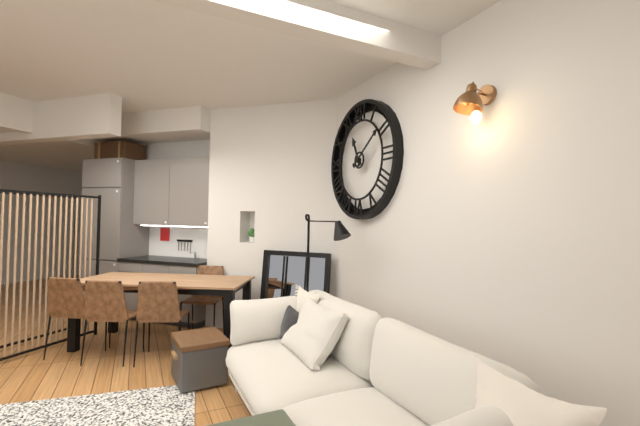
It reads 11,09
